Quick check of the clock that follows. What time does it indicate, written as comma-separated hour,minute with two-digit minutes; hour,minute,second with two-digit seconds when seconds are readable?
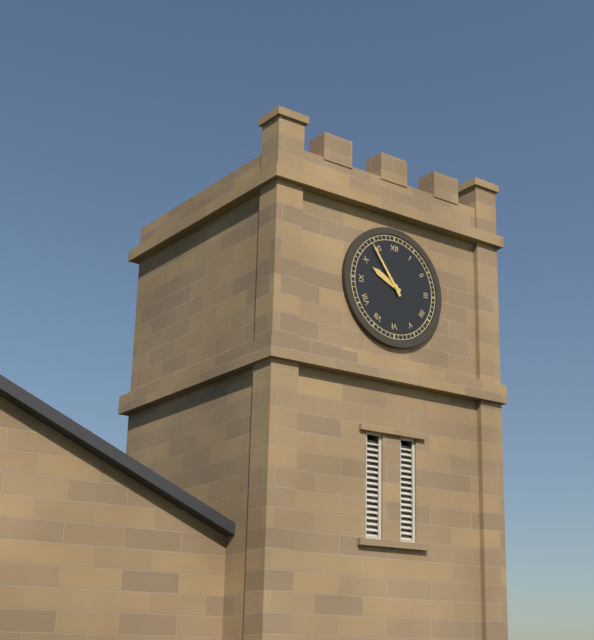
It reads 9,54
